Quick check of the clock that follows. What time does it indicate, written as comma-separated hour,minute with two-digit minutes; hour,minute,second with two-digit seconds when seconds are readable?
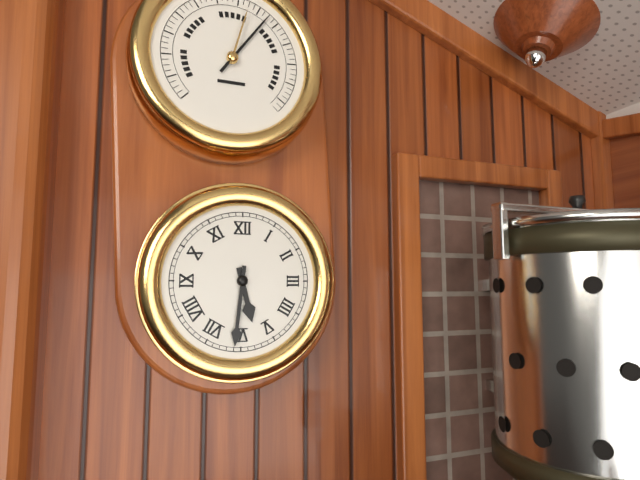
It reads 5,31
